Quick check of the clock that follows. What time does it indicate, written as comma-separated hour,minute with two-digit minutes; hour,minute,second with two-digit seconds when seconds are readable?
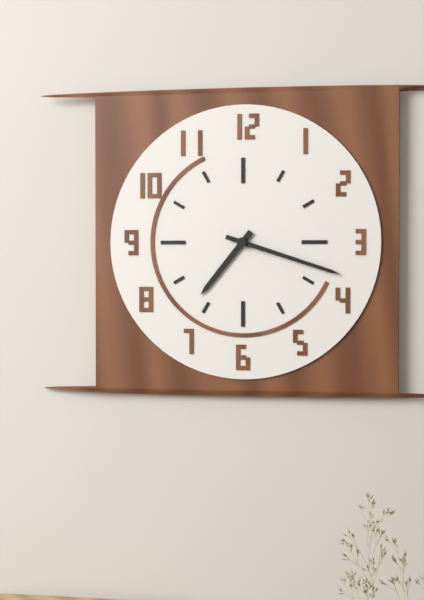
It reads 7,18
